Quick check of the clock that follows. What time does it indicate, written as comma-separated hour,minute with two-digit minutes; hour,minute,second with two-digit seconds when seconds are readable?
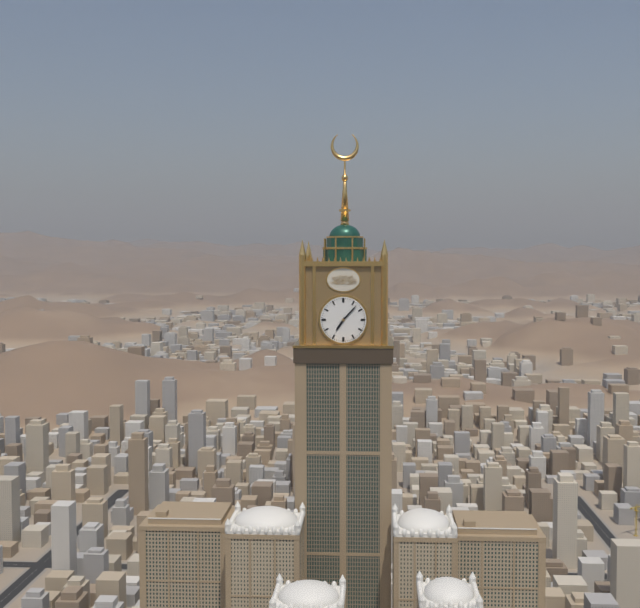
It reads 7,07
